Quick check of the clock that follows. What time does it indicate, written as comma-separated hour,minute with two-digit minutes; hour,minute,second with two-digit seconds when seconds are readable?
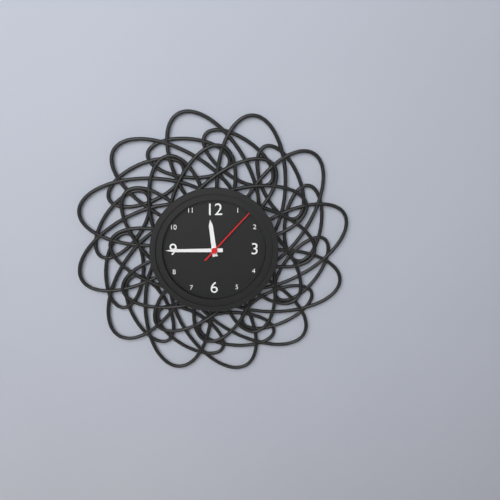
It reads 11,45,07
